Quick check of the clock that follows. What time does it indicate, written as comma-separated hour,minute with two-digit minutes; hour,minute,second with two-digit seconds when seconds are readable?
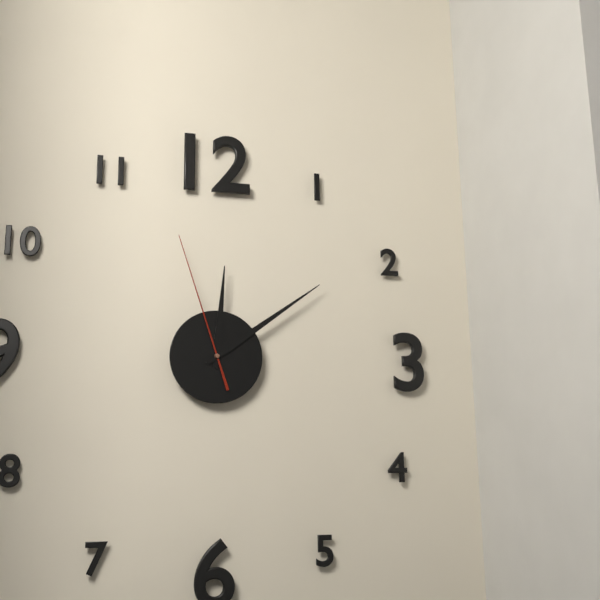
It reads 12,09,57
